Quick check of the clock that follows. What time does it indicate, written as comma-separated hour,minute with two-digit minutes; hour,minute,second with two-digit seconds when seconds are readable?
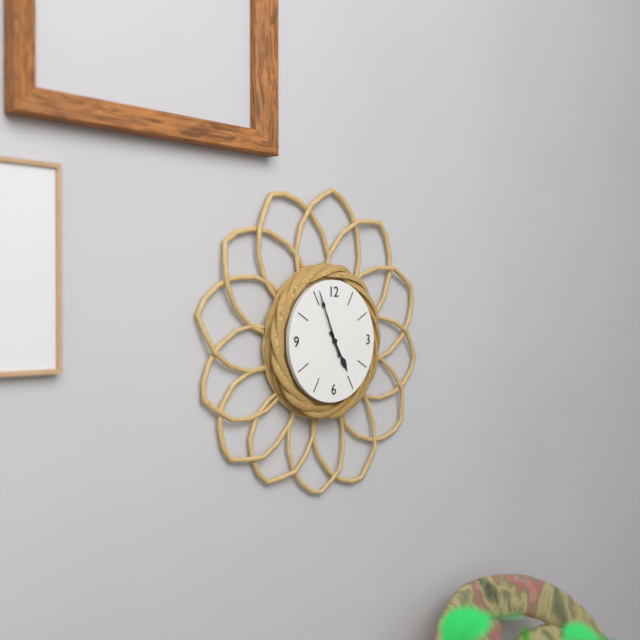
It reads 4,56
